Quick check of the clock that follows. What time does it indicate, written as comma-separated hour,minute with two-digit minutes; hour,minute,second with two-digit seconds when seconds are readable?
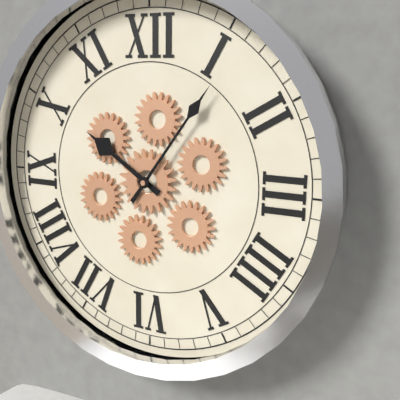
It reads 10,06
